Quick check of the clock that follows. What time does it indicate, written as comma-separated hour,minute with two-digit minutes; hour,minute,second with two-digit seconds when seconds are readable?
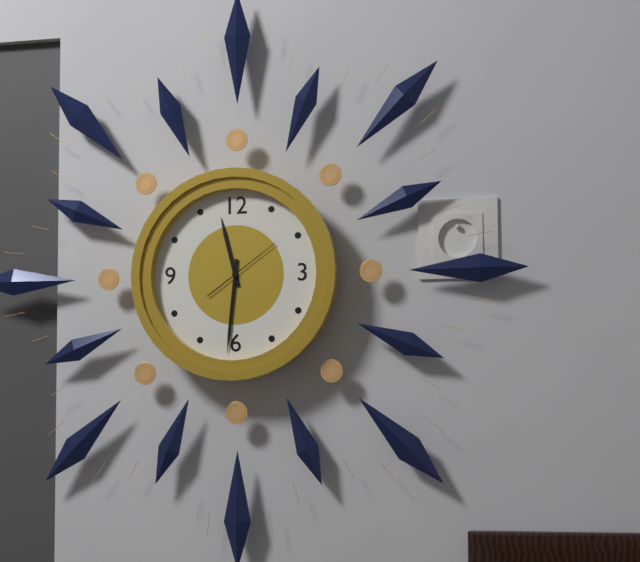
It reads 11,31,09
